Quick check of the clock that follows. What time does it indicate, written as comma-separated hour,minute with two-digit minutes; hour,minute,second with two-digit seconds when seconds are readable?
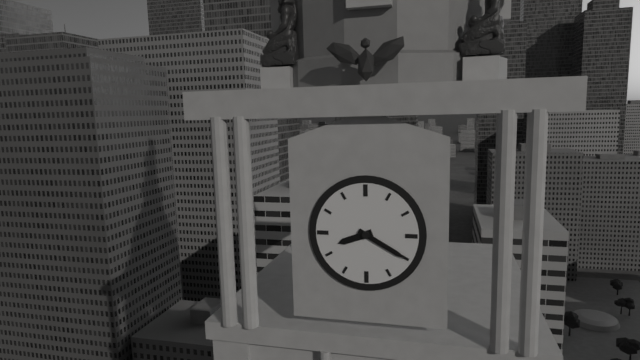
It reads 8,20
